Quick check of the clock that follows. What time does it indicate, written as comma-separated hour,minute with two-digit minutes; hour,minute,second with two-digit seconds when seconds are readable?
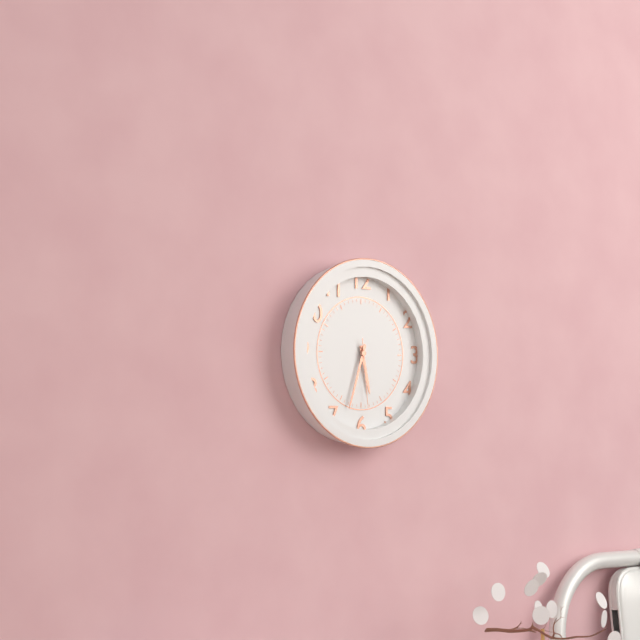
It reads 5,33,29
